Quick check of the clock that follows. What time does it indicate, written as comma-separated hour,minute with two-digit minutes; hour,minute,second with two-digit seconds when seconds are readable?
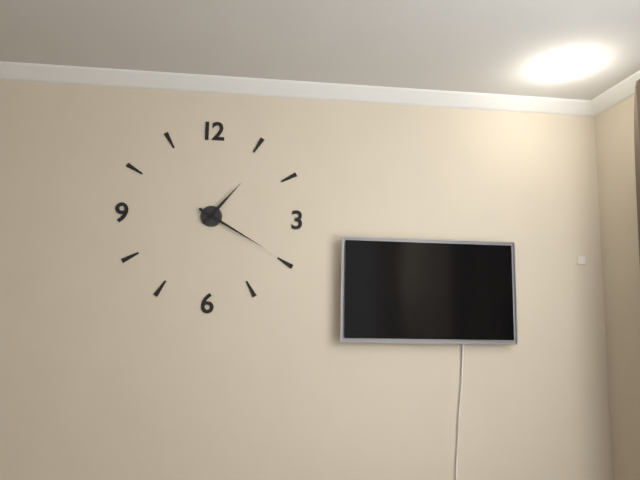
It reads 1,20
